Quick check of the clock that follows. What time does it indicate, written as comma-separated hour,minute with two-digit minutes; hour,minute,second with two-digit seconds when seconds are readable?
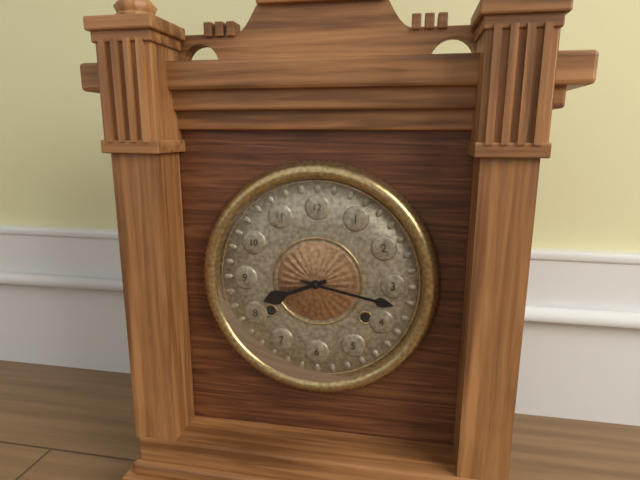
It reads 8,17
